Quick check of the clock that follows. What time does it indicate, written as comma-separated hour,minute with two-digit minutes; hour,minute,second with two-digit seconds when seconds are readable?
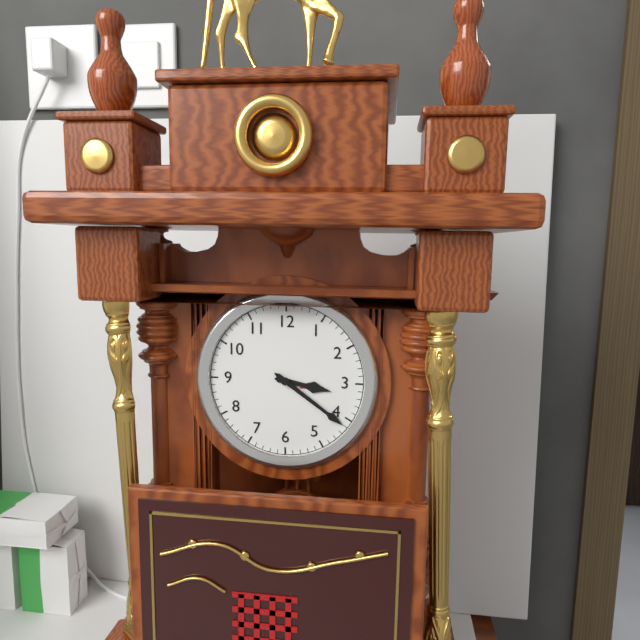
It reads 3,21
